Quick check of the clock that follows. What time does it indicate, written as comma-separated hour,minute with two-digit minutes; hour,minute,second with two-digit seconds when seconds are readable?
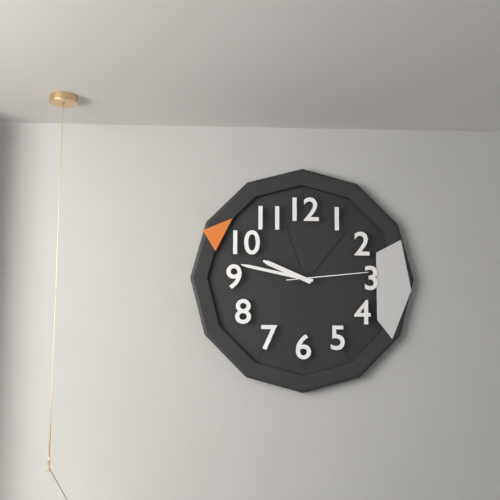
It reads 9,47,14
